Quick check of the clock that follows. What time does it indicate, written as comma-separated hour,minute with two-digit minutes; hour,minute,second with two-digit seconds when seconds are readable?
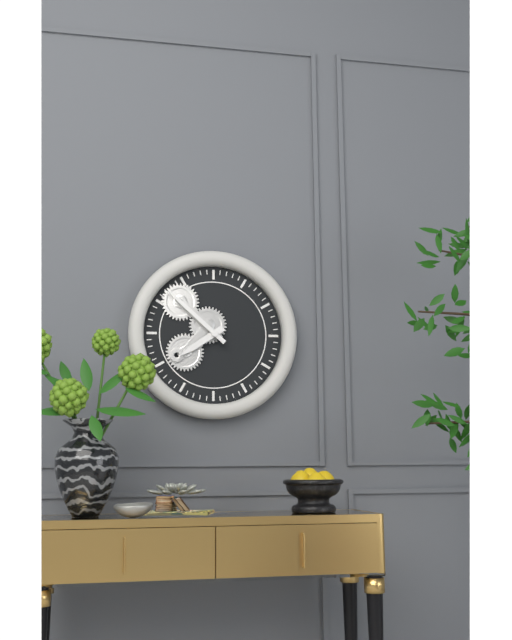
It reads 7,52
